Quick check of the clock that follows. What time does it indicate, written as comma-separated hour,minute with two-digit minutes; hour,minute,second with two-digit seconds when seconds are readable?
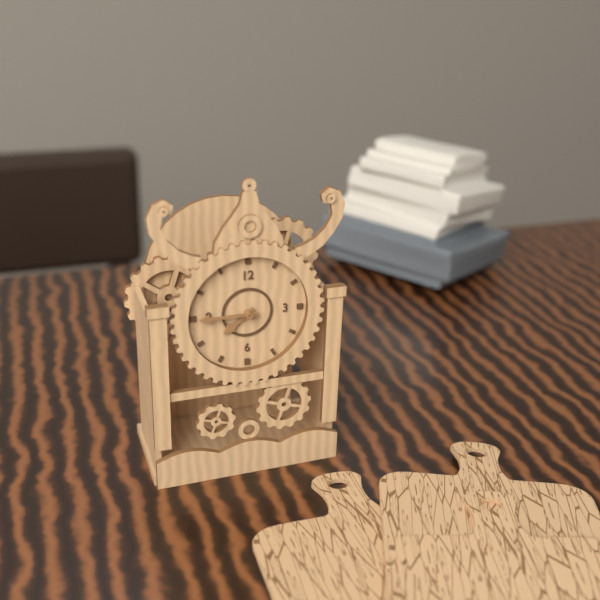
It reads 7,45
